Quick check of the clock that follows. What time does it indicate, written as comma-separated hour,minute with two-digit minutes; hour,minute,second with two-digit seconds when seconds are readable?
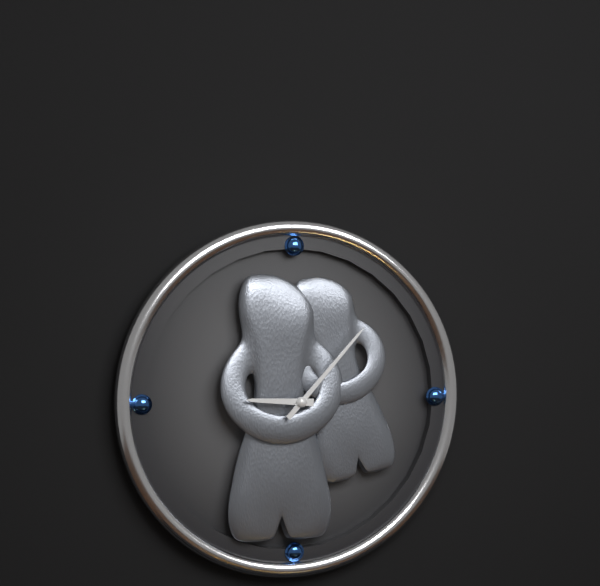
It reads 9,07
